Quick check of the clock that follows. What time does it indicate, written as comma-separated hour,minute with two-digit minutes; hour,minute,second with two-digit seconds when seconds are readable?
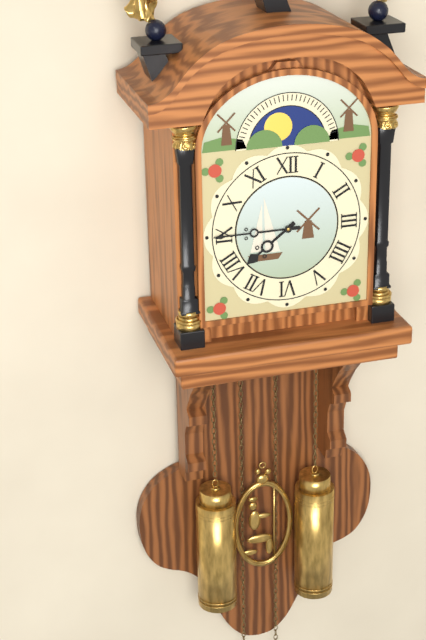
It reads 7,45
